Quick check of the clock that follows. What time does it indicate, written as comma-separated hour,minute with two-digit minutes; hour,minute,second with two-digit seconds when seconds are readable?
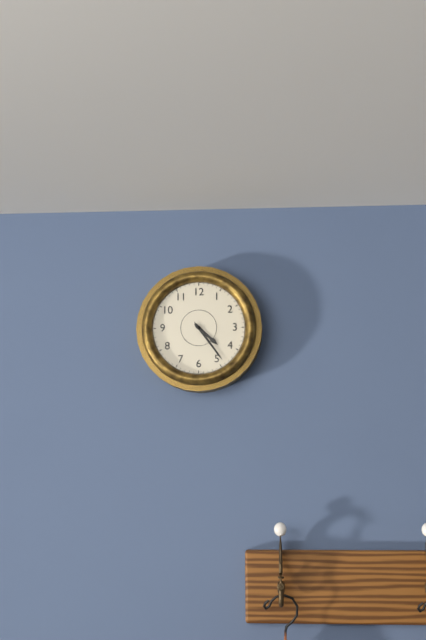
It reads 4,24
